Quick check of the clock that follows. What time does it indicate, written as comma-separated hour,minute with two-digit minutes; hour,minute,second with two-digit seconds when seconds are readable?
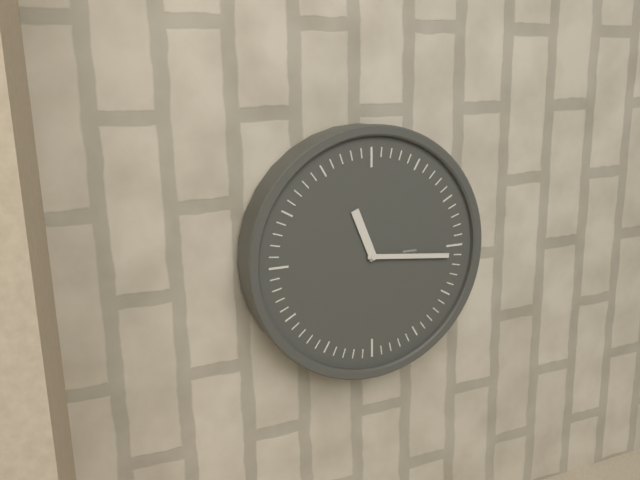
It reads 11,16
